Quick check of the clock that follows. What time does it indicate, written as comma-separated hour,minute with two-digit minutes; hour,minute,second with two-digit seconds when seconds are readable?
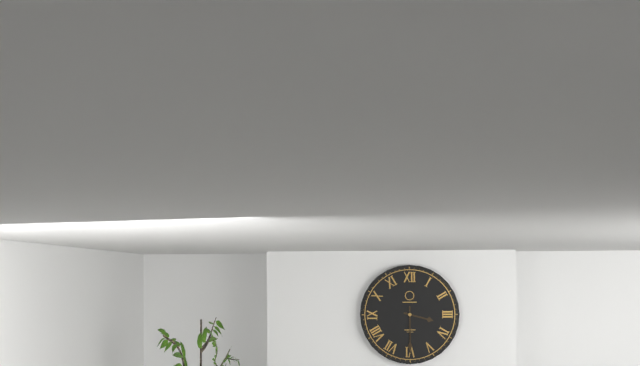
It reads 3,30
